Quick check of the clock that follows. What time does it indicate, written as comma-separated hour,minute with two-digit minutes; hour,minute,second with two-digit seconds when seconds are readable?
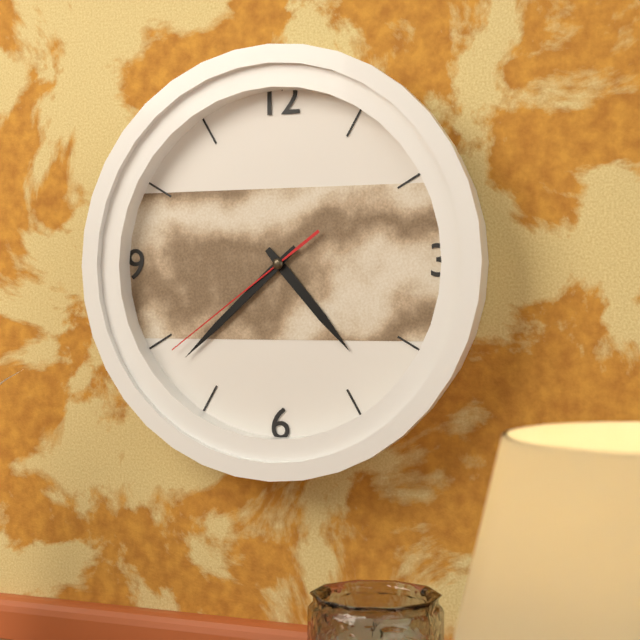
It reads 4,38,39
